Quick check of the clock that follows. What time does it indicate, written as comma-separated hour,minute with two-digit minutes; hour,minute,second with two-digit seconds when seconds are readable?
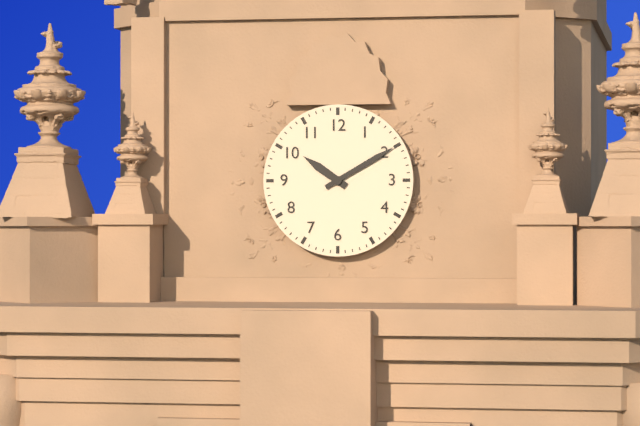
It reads 10,10
